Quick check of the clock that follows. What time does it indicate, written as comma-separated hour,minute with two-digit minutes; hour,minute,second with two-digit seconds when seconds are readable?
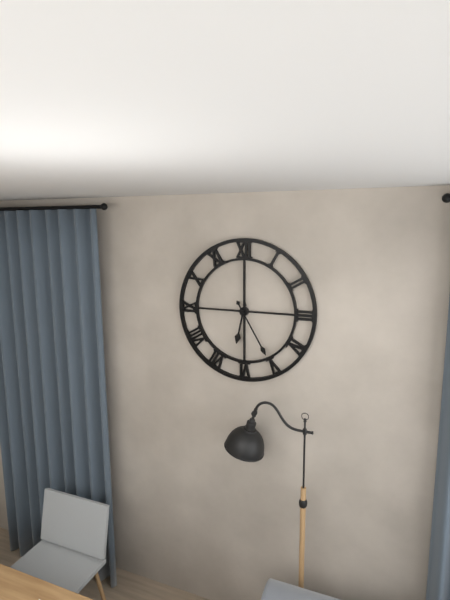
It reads 6,25
